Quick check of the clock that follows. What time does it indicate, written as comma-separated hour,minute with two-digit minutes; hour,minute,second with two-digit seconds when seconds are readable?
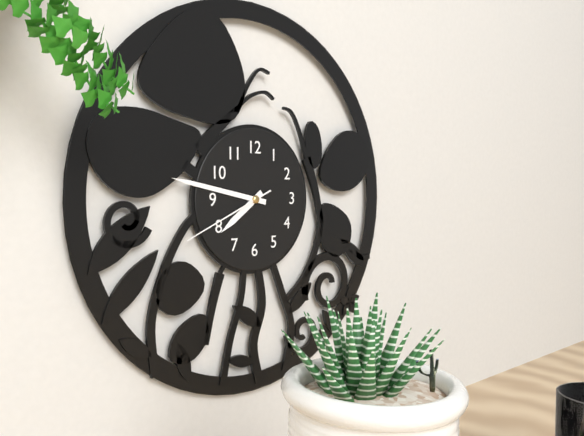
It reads 7,47,41
